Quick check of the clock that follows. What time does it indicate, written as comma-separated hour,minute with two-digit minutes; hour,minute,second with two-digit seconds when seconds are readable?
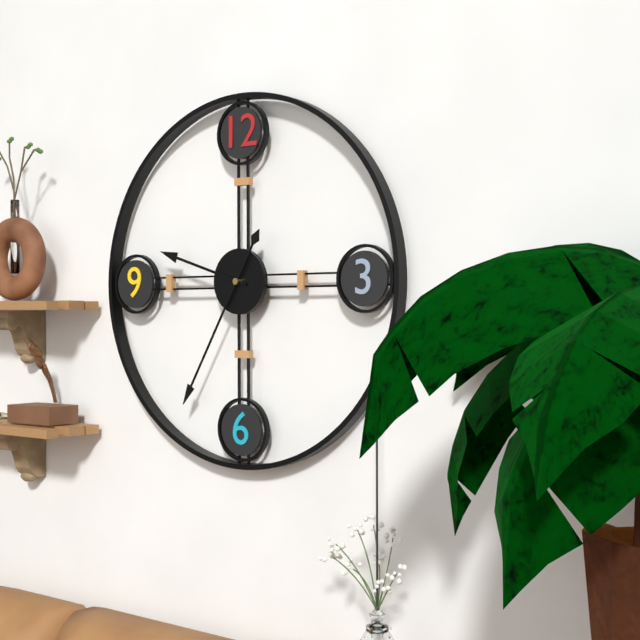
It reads 9,35
